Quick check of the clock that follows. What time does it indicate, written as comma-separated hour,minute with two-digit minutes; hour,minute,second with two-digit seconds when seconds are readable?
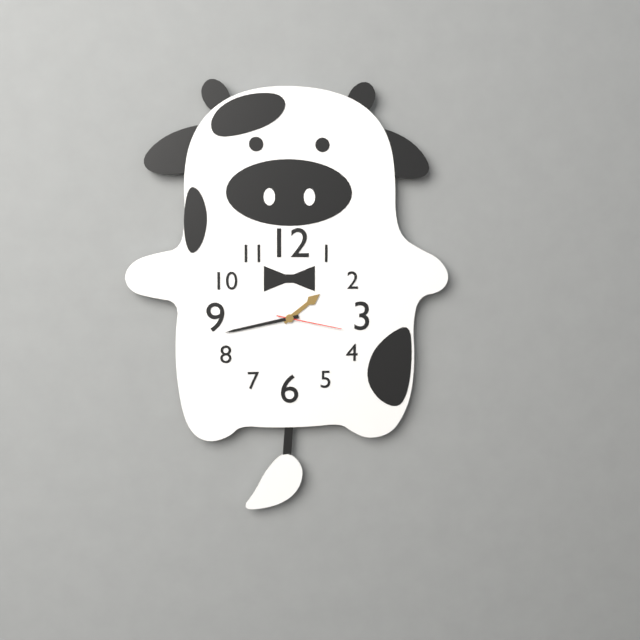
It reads 1,43,17
